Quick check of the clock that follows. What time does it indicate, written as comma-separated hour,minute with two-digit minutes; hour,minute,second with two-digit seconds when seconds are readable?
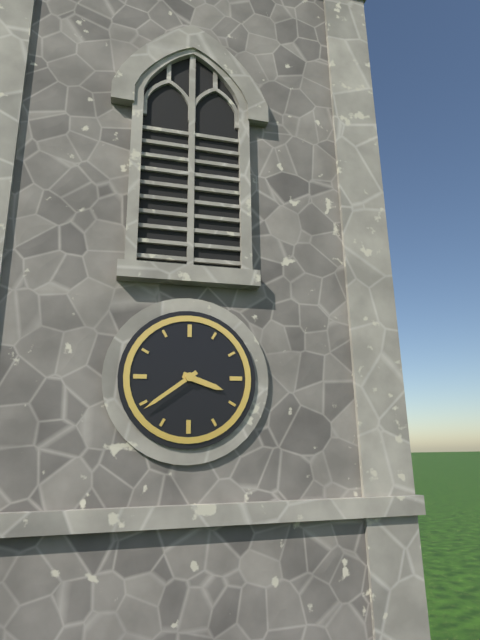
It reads 3,39
